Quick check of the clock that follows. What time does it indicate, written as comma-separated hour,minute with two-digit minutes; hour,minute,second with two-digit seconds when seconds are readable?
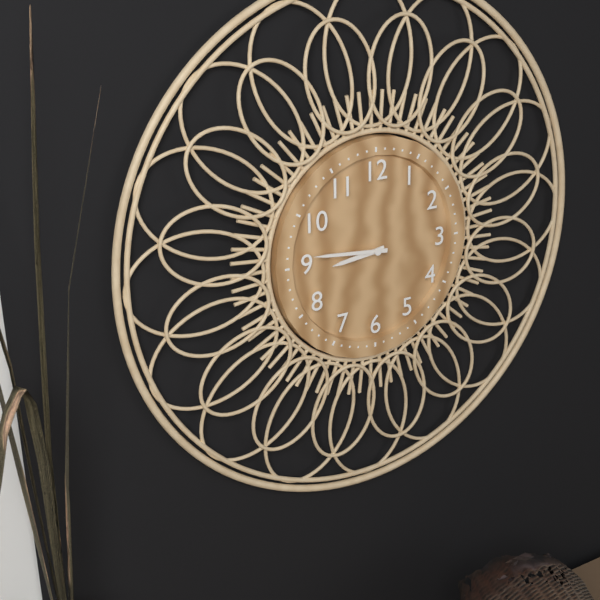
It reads 8,46
